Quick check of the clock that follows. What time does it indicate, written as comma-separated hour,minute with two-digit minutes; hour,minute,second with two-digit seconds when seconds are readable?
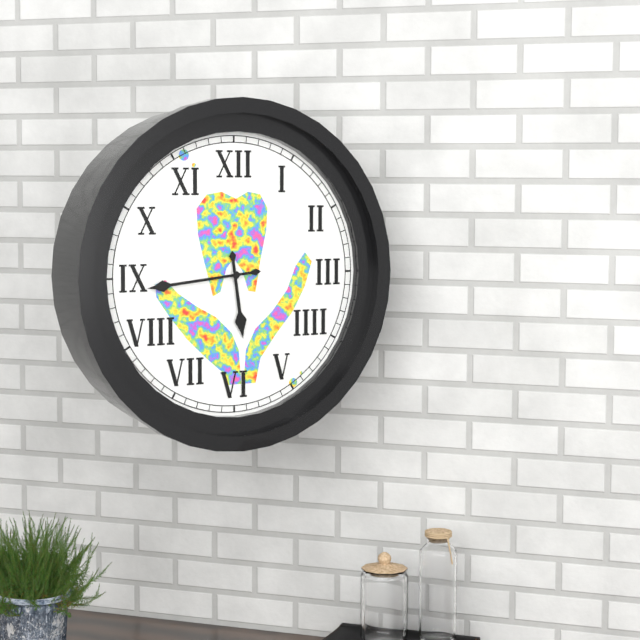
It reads 5,44
